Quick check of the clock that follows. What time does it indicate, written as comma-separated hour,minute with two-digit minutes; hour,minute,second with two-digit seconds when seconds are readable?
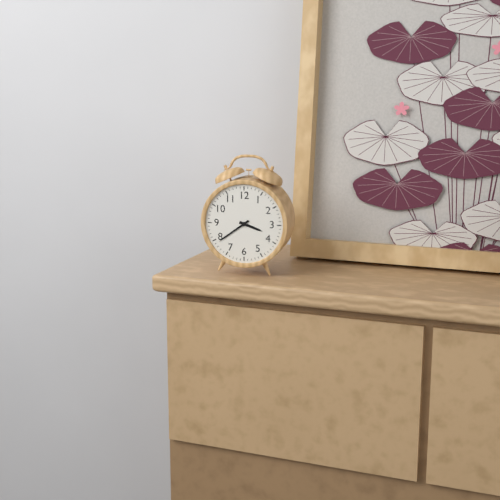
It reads 3,39
